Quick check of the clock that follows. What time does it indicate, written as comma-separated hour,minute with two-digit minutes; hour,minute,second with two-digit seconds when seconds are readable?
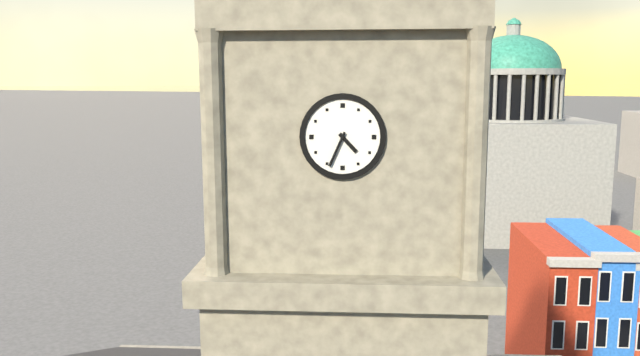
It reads 4,34
